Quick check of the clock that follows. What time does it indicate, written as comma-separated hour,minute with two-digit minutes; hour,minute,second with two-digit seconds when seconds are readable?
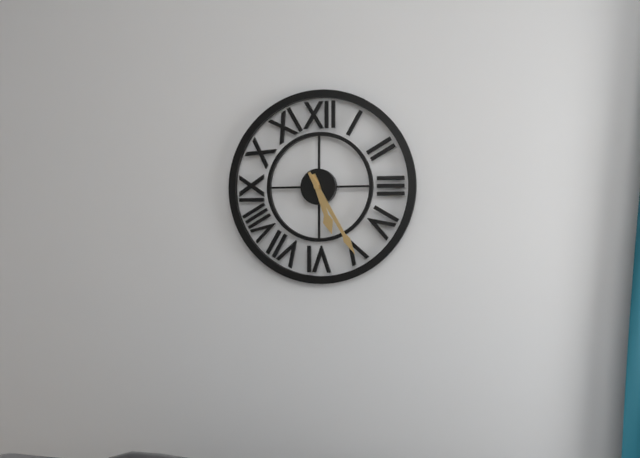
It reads 5,25
